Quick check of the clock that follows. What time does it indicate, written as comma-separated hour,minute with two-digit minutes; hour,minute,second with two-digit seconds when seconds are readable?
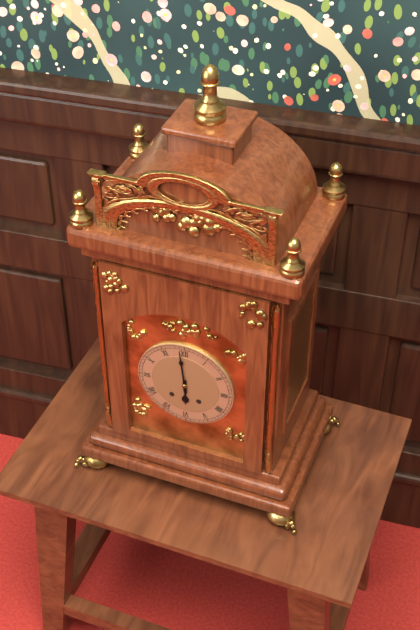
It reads 5,59
